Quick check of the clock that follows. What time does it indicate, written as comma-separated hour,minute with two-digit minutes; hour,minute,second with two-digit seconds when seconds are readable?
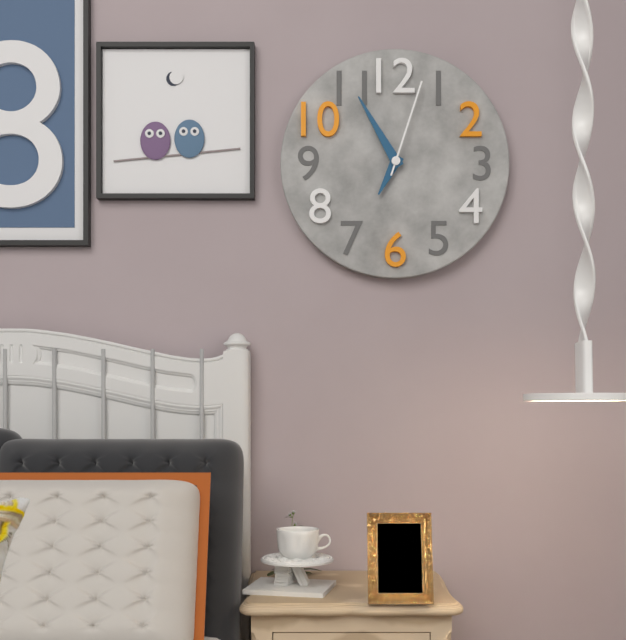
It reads 6,55,03
